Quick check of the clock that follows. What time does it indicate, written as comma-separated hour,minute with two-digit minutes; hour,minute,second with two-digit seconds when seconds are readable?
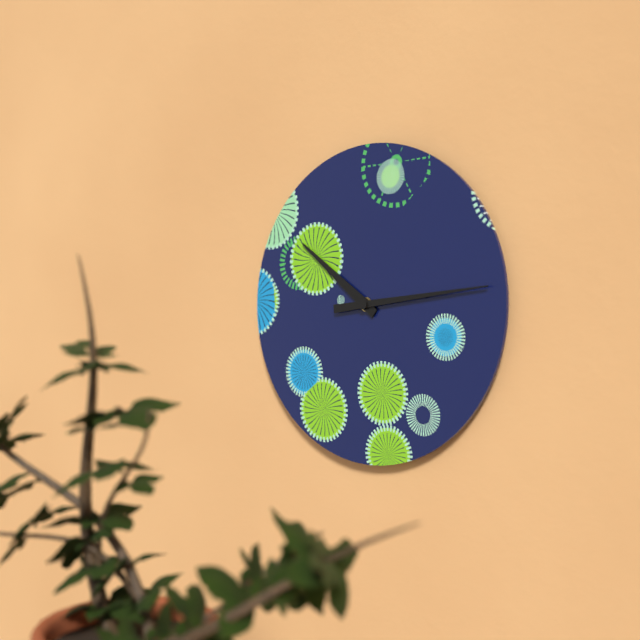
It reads 10,14
